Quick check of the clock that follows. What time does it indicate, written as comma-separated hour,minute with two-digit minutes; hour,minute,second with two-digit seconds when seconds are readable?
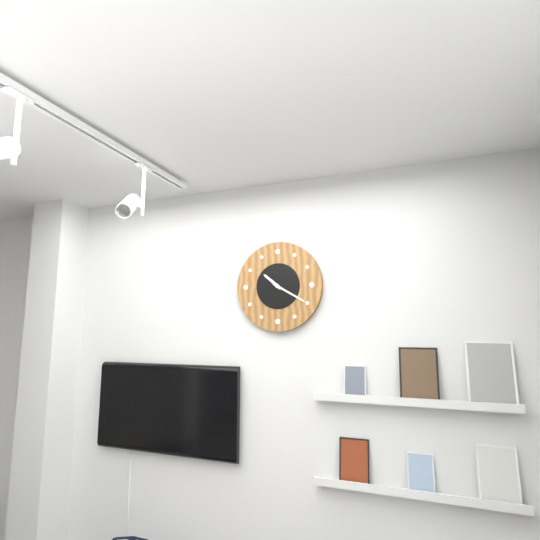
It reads 10,20
